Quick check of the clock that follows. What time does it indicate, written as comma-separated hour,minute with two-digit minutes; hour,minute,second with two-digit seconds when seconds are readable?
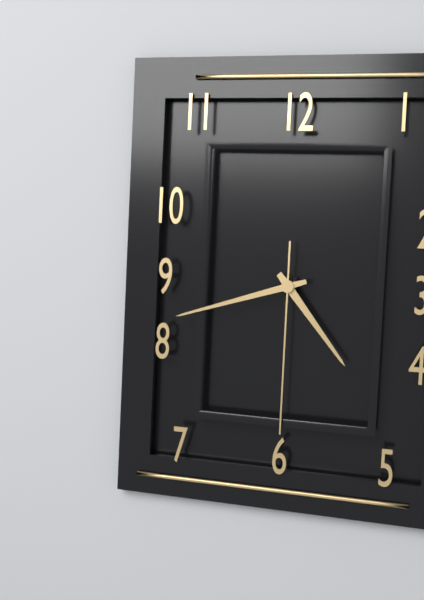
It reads 4,42,30
